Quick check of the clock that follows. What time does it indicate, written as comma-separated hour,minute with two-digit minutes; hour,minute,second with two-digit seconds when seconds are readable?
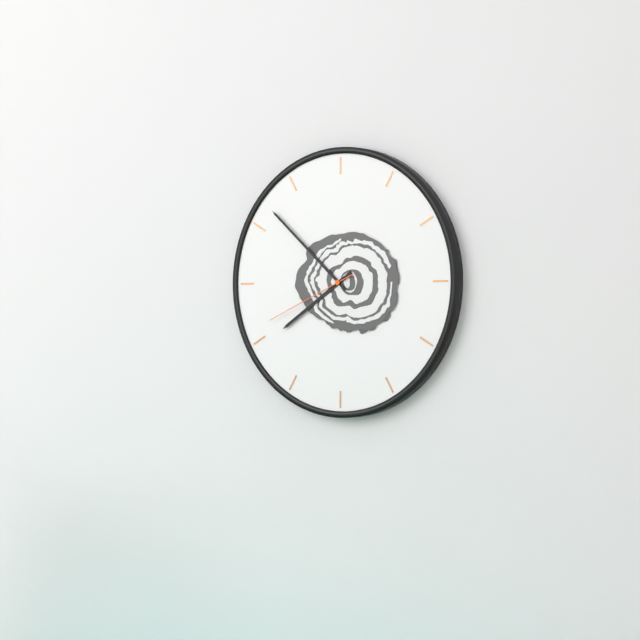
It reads 7,52,41
